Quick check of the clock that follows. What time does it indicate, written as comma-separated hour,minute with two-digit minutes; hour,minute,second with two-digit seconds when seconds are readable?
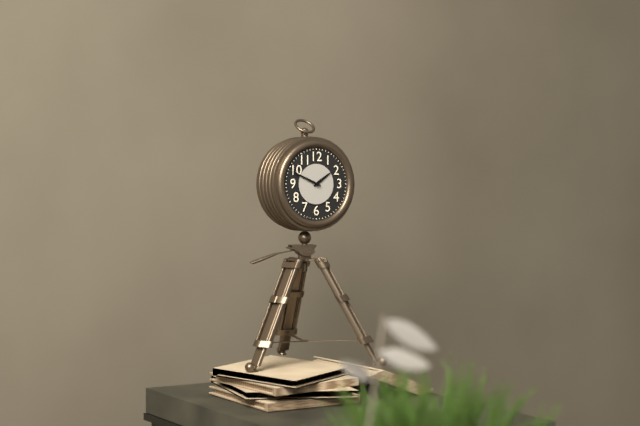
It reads 1,49
